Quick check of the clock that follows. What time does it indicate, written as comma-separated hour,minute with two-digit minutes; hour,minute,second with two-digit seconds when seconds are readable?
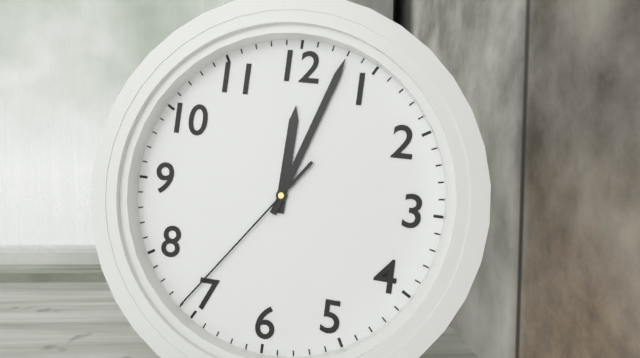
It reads 12,03,36
